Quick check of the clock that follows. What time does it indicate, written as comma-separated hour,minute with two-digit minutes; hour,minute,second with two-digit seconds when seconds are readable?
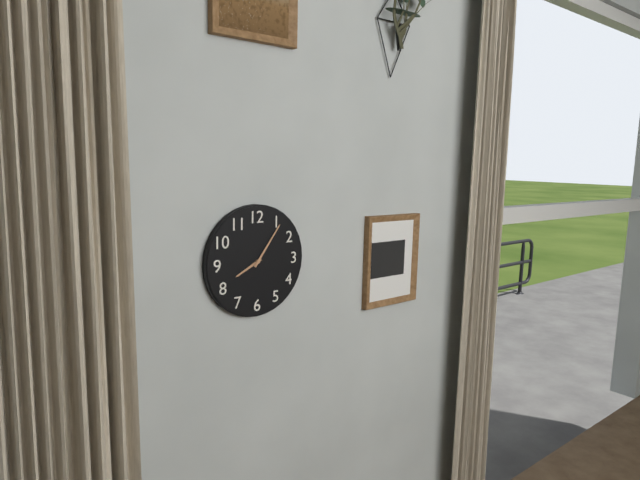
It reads 8,06
